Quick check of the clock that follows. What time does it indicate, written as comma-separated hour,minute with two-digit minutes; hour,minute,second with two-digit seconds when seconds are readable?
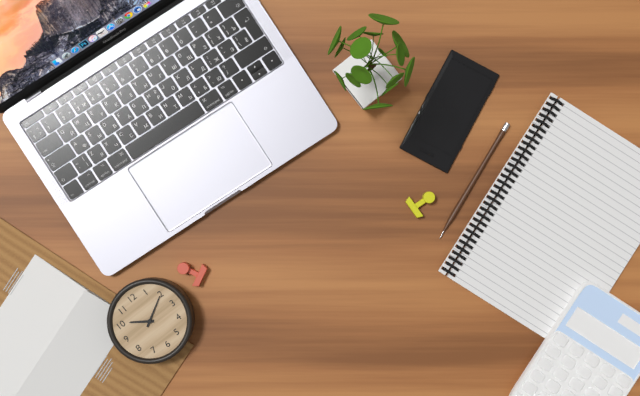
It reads 10,10
